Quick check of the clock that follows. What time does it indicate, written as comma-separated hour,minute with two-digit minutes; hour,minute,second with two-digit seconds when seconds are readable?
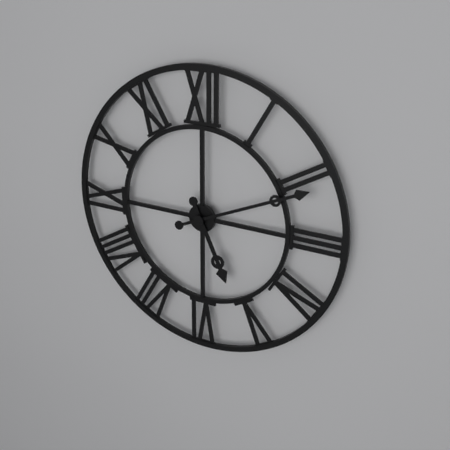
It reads 5,11
